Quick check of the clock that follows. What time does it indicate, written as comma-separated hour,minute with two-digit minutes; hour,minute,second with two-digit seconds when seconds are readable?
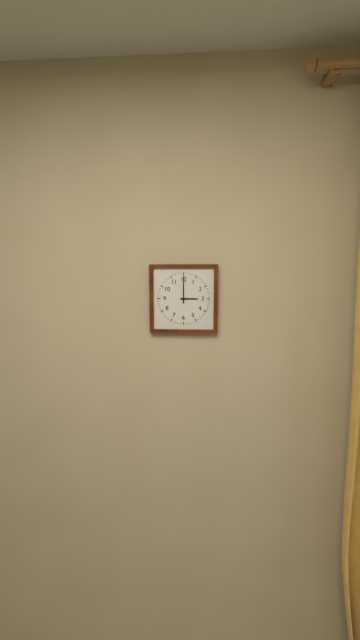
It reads 3,00
